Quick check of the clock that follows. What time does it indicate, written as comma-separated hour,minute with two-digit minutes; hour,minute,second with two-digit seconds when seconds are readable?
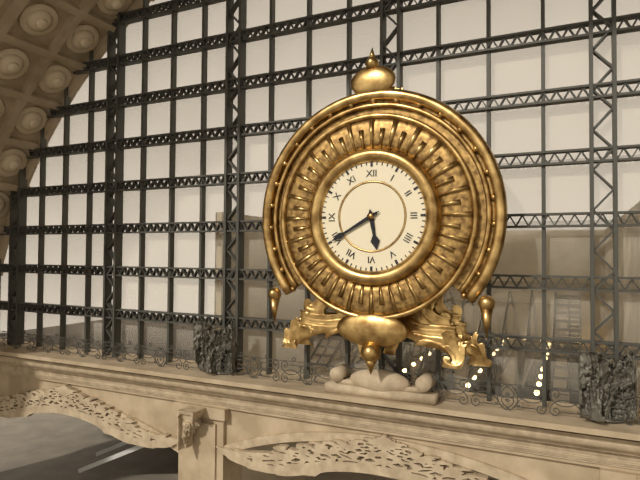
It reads 5,40
